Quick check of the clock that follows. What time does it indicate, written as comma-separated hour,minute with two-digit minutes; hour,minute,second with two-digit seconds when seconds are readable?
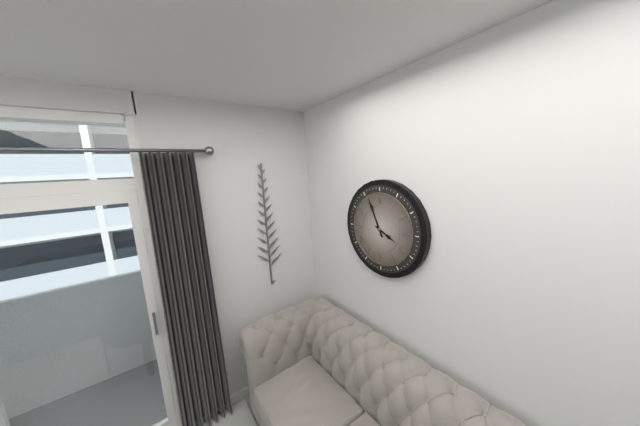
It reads 3,56
